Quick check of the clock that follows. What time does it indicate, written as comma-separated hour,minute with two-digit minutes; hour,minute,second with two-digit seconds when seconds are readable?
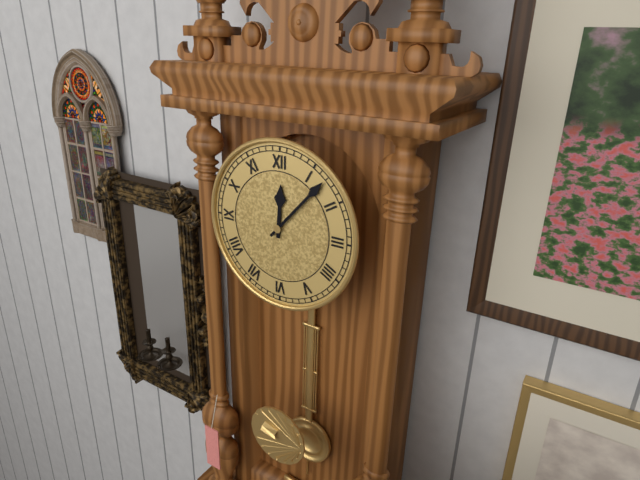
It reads 12,07
